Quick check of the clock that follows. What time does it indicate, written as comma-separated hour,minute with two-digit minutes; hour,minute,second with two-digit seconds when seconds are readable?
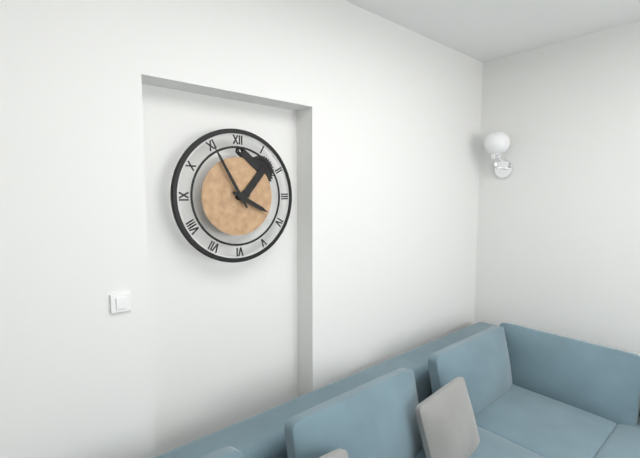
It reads 3,55
